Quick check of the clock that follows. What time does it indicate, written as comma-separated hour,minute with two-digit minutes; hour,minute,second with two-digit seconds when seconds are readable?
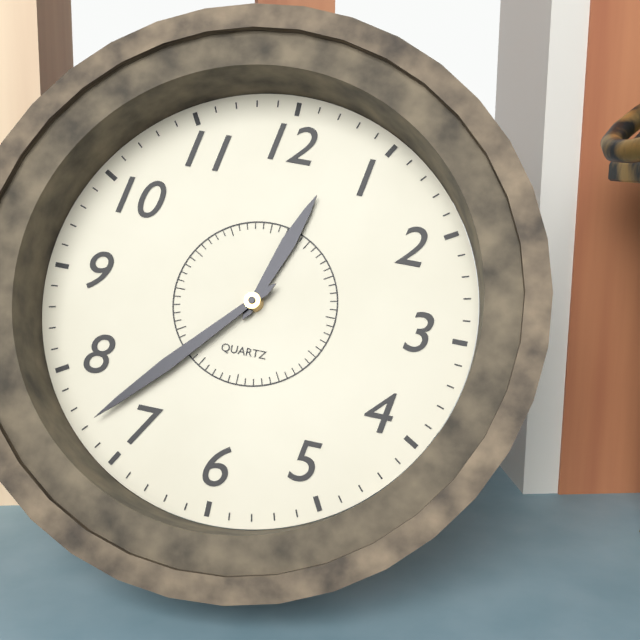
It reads 12,37
